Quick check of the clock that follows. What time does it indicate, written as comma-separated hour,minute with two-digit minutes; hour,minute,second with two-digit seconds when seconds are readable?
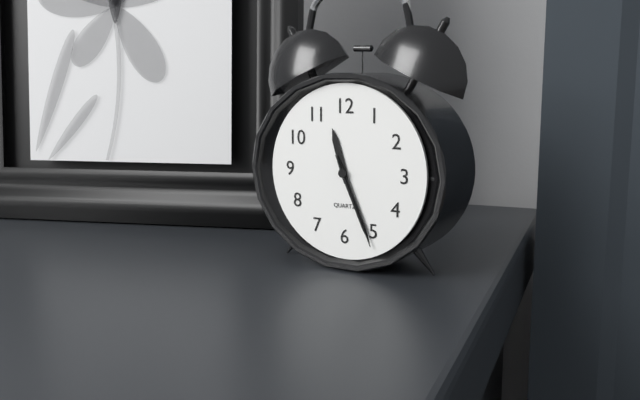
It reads 11,26,26
